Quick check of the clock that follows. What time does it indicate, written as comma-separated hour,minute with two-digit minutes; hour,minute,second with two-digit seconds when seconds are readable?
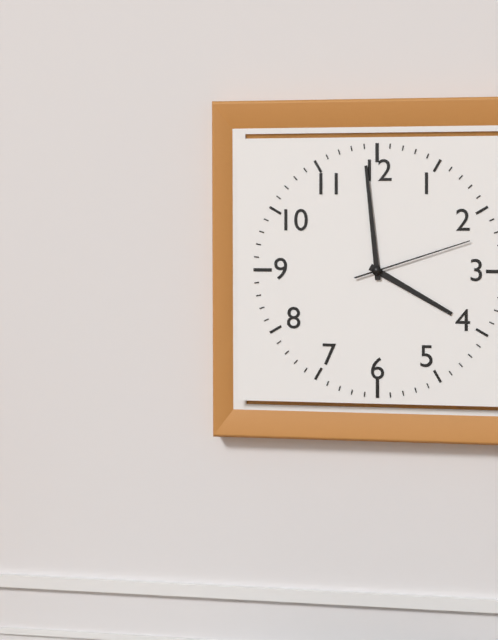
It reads 3,59,12
